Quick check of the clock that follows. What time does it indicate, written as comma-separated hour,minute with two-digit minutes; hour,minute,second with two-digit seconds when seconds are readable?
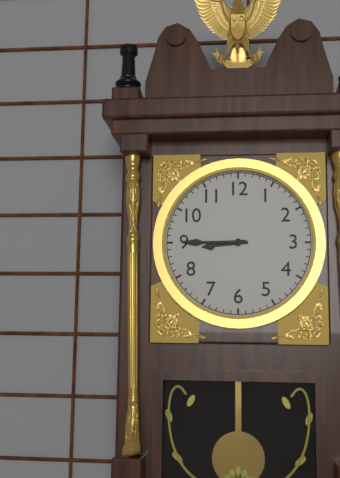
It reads 8,45
